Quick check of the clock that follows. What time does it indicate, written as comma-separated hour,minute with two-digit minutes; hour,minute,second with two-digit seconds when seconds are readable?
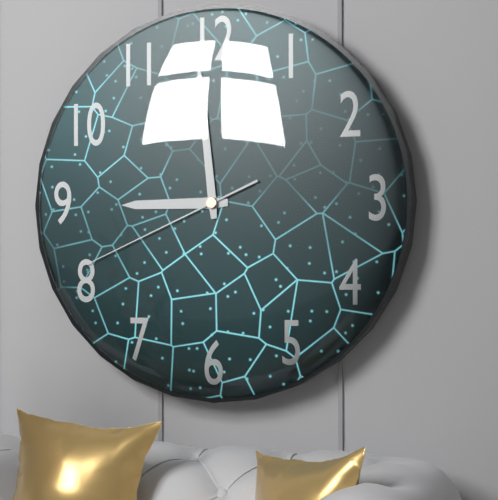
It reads 8,59,41
